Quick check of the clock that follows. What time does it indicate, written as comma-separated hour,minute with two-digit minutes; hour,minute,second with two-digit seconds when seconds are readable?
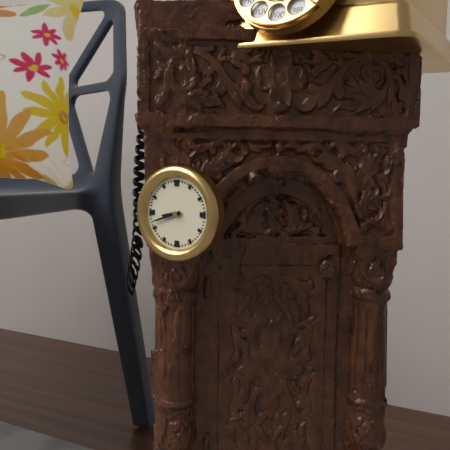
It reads 8,42
